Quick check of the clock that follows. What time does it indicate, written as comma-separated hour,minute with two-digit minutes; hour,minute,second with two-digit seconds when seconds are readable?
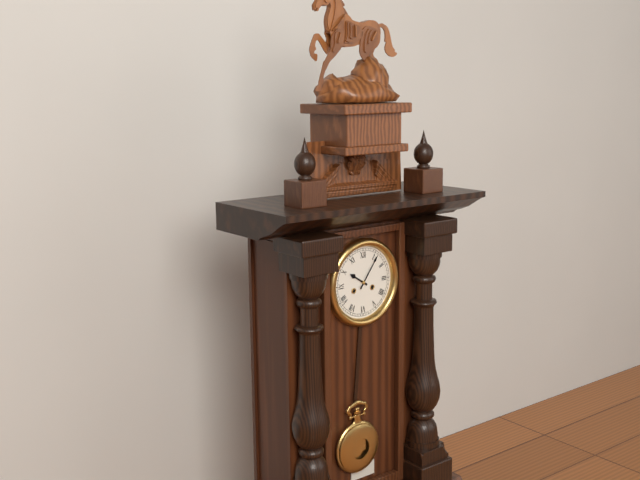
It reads 10,06
